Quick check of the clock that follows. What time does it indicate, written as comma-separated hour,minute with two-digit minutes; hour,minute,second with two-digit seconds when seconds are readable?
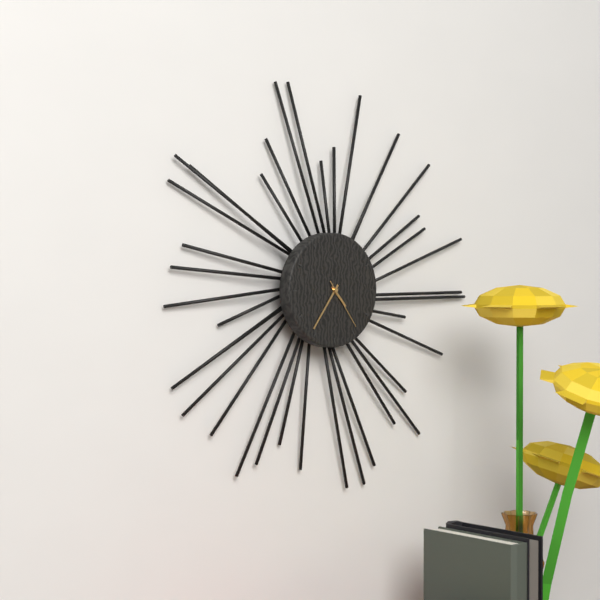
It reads 4,36,24
